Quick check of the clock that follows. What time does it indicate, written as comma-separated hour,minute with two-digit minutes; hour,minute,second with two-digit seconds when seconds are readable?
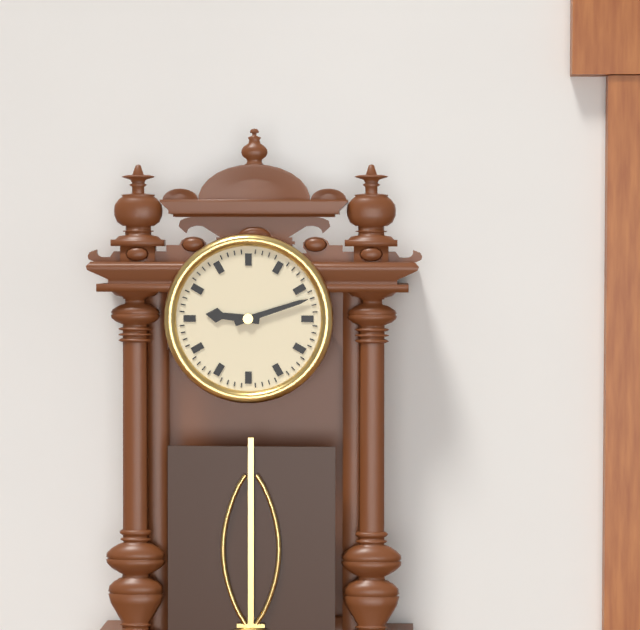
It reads 9,12
